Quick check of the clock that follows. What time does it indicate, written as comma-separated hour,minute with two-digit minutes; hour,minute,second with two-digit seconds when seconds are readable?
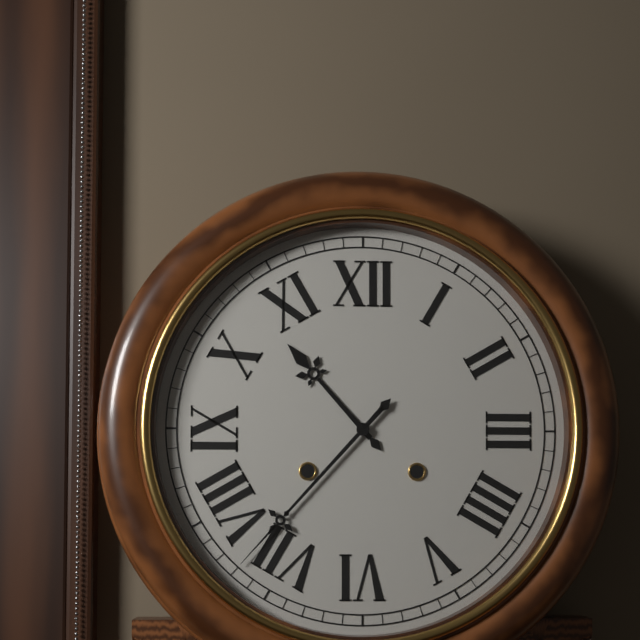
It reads 10,37
